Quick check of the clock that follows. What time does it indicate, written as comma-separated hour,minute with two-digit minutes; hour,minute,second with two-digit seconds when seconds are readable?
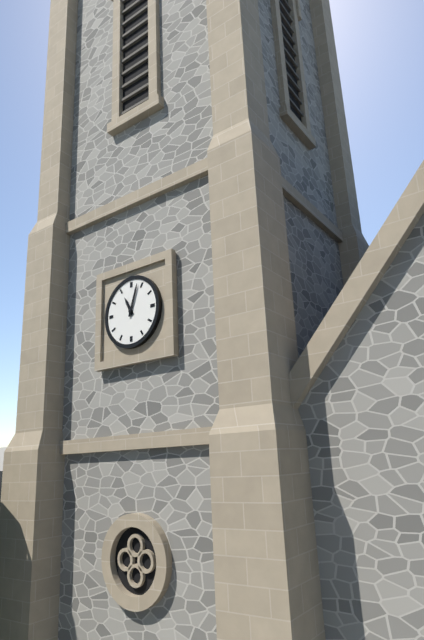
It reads 11,03
